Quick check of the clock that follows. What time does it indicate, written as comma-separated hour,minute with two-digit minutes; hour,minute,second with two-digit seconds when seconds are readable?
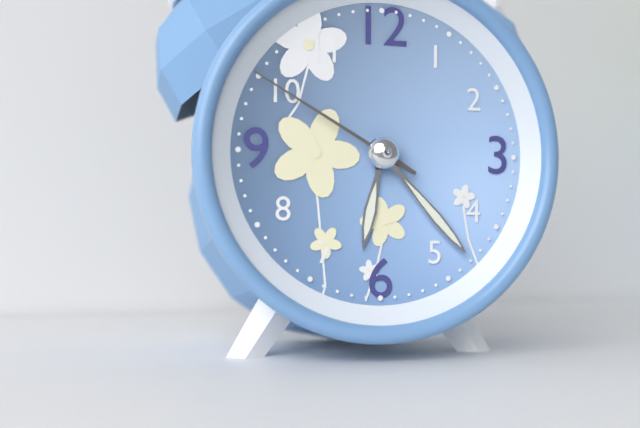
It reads 6,23,50
